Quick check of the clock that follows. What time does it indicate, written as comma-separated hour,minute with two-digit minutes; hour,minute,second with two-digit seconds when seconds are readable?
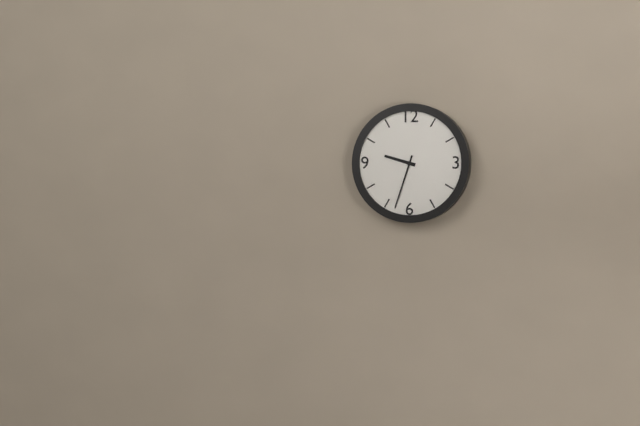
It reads 9,33
